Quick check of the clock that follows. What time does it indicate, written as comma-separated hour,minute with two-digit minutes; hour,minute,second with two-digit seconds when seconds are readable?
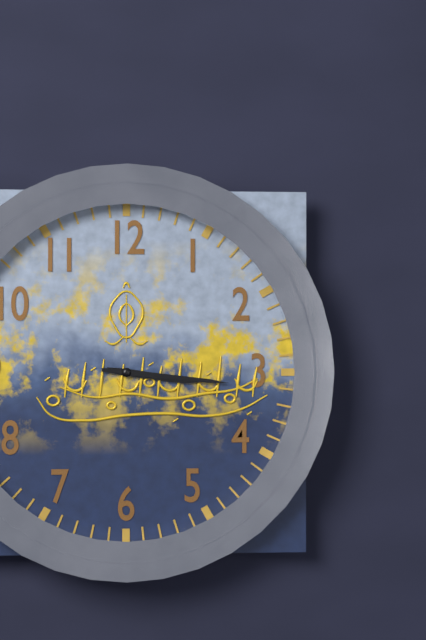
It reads 3,16
